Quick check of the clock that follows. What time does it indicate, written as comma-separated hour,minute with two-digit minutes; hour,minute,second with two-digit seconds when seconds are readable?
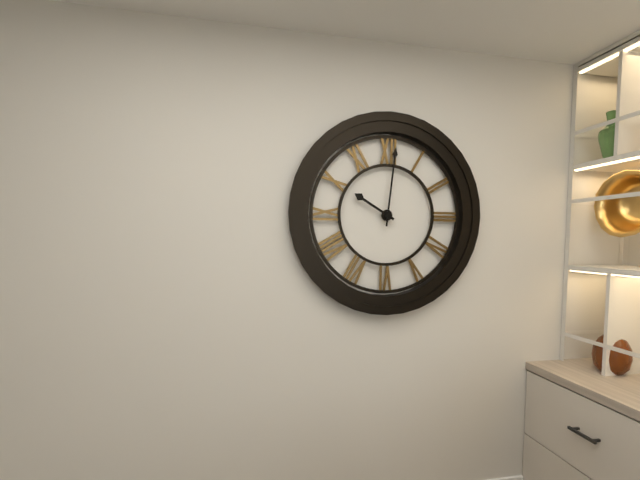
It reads 10,01
